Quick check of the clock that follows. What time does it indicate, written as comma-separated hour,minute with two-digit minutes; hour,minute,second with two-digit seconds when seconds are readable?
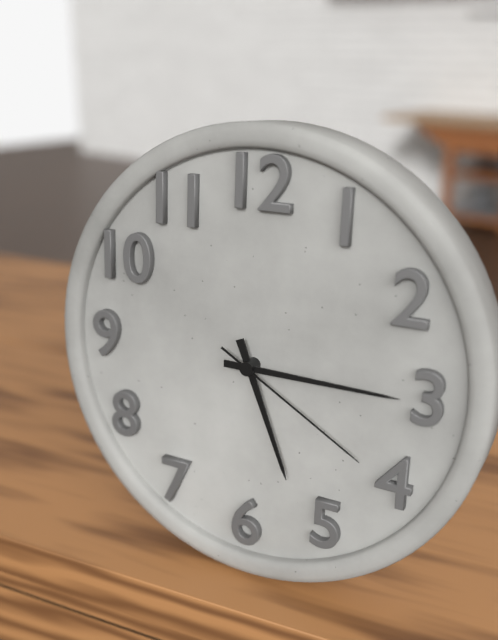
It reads 5,15,20
